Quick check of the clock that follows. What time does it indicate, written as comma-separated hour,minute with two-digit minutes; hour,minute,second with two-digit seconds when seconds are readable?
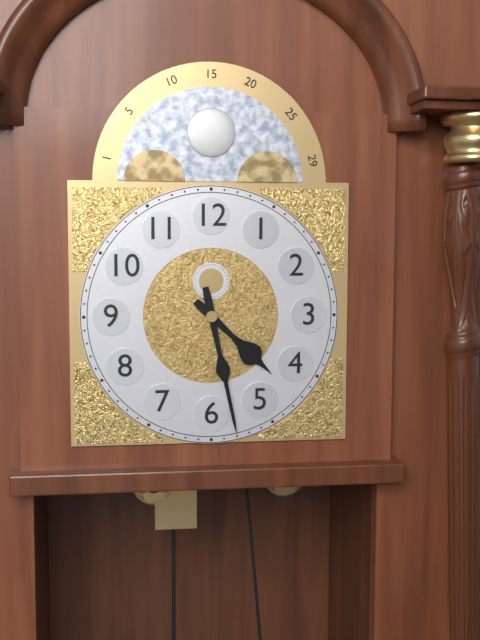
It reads 4,28
